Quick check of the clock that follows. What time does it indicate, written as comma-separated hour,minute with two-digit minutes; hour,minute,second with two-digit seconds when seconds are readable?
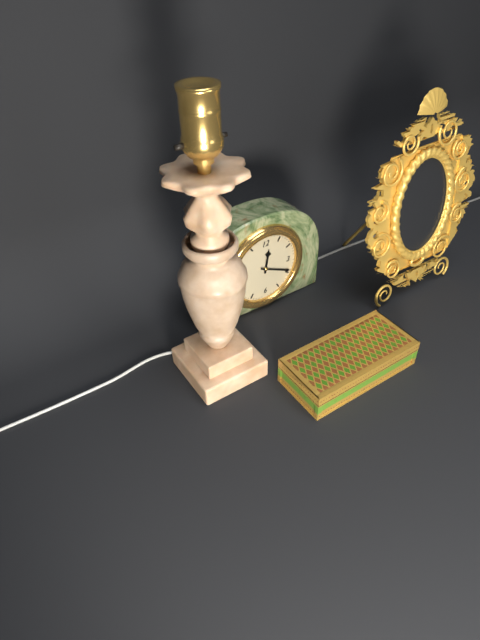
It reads 12,19
